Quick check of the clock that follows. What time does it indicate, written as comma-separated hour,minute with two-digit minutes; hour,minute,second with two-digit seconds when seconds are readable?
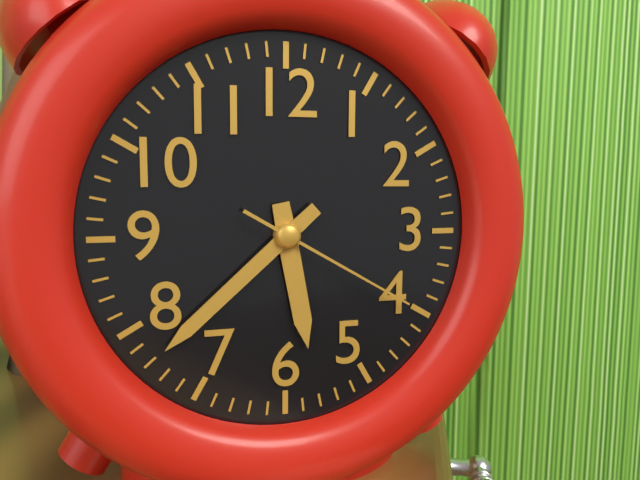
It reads 5,38,20
